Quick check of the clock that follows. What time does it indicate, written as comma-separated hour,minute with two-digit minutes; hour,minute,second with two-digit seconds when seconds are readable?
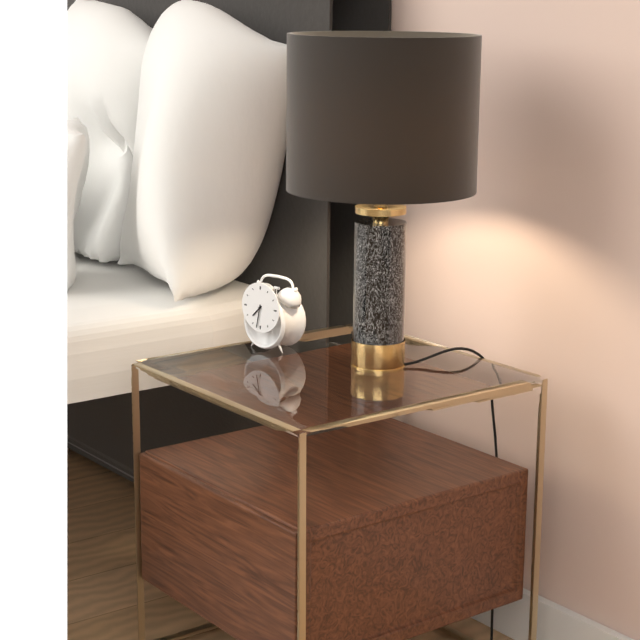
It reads 7,32
